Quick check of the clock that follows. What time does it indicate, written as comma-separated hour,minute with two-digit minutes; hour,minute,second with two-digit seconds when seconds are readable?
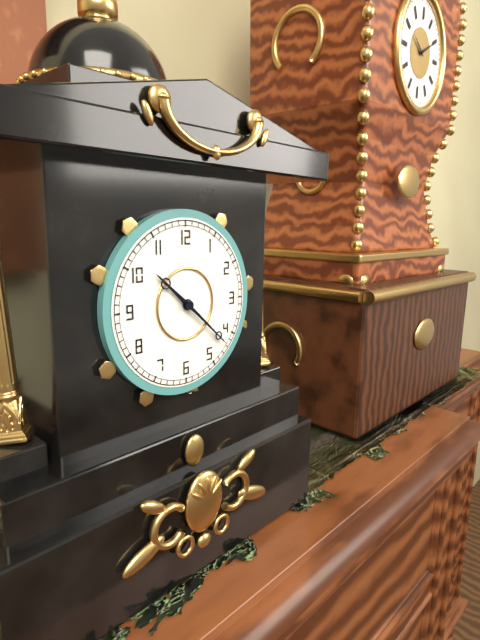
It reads 10,22
